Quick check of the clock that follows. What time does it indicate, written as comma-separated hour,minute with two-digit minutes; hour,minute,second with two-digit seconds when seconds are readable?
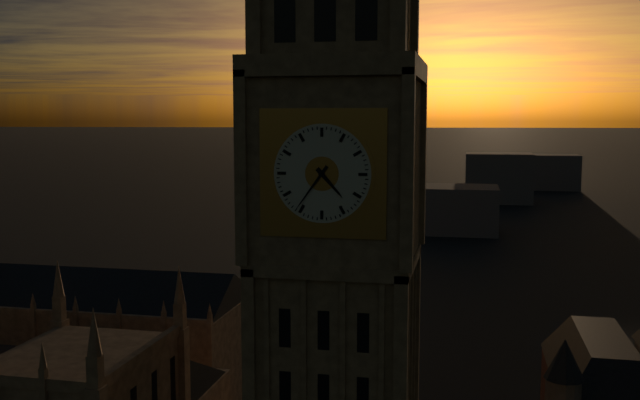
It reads 4,36
